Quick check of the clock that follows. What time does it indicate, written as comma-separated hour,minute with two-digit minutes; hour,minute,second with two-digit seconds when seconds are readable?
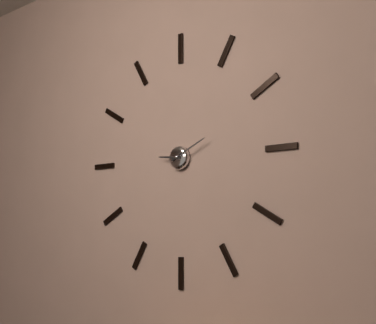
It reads 9,11
